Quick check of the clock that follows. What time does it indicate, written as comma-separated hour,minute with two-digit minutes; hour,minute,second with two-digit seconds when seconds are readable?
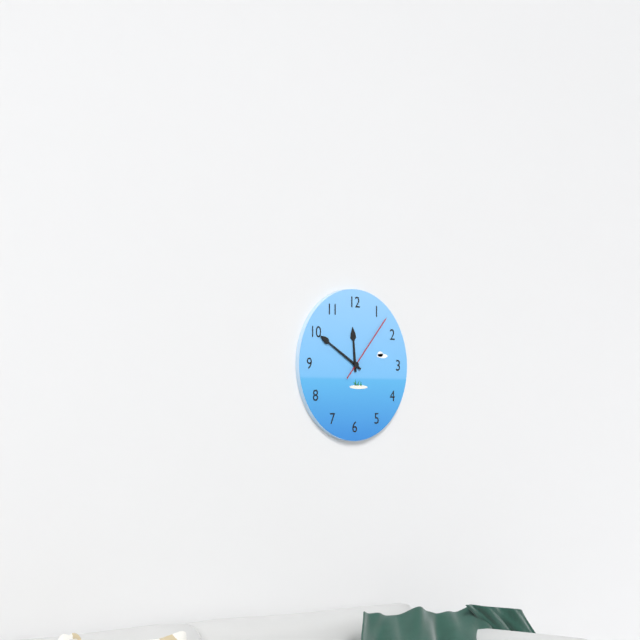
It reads 11,50,07
